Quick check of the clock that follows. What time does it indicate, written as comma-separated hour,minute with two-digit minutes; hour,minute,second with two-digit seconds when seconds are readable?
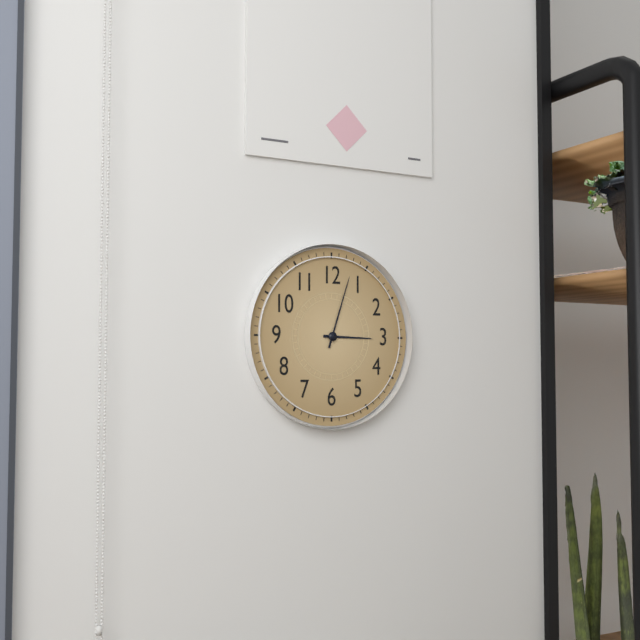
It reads 3,03
